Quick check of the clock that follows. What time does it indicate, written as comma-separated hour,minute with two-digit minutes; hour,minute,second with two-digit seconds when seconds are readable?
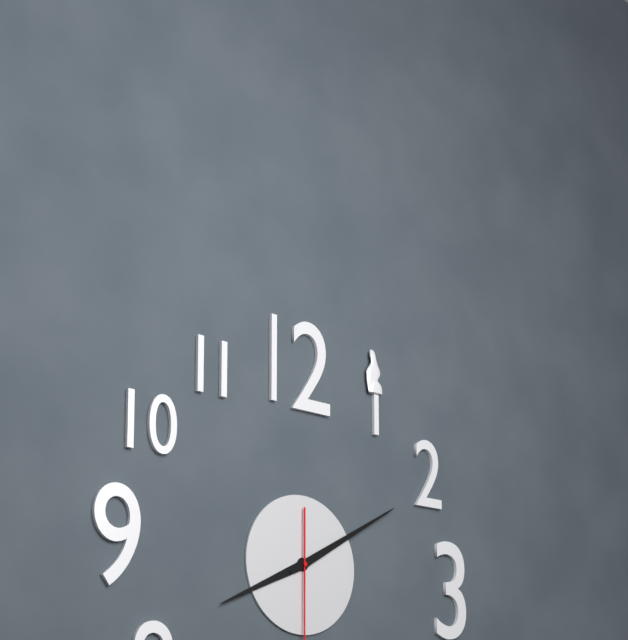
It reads 8,10
